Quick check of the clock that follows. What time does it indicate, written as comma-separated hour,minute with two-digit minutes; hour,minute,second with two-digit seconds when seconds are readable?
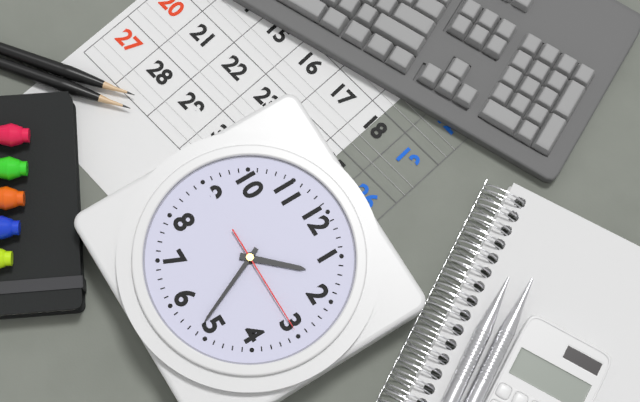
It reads 1,26,15
